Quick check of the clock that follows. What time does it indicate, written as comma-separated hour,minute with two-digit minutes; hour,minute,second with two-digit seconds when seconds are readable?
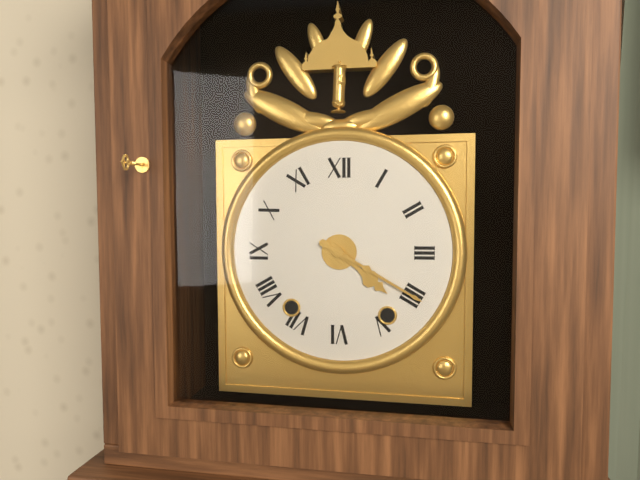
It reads 4,20
